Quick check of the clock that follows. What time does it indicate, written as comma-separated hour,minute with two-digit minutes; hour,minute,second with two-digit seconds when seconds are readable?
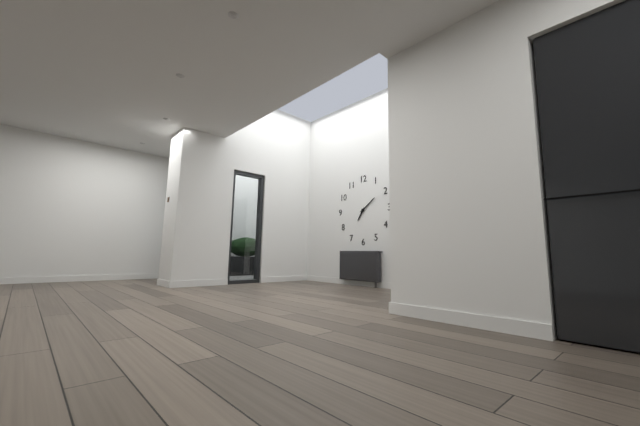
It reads 7,09
